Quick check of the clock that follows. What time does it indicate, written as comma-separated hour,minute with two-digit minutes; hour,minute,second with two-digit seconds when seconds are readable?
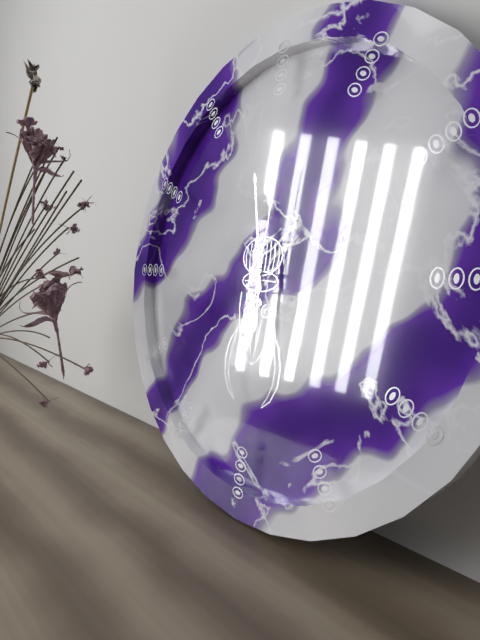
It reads 5,58,01
